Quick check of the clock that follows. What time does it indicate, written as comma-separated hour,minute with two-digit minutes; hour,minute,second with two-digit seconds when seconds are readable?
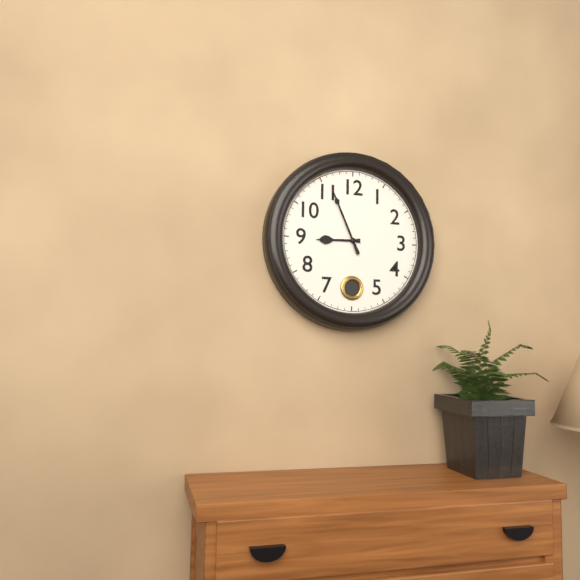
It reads 8,56
